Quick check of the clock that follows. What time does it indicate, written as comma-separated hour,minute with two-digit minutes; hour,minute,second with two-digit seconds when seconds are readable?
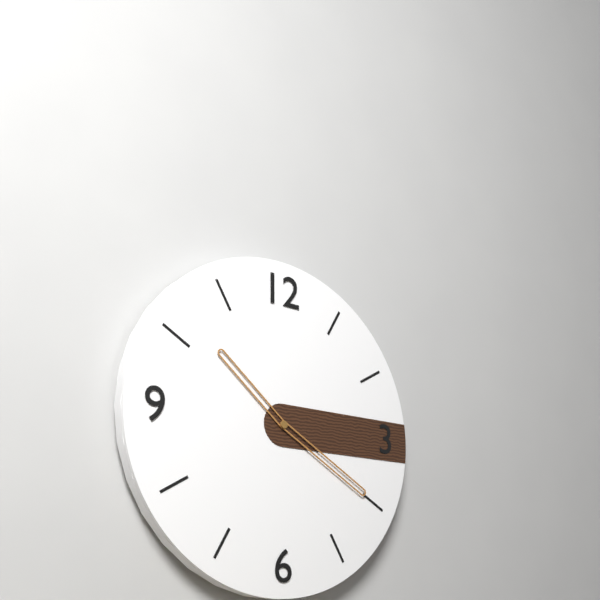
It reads 10,20
